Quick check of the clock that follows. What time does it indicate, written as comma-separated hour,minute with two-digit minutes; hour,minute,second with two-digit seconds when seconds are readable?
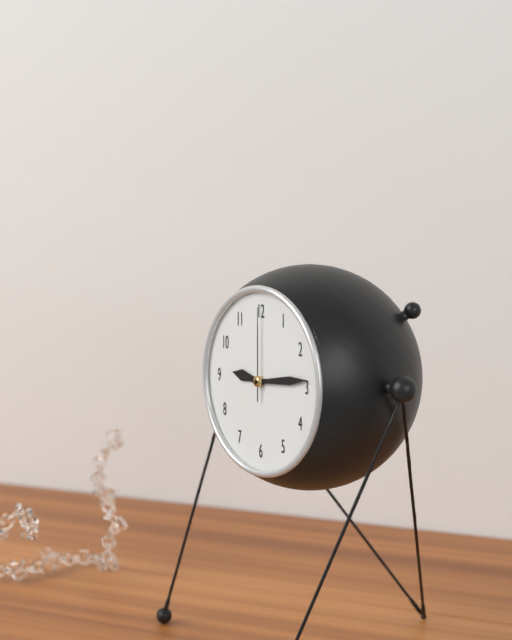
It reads 9,14,00
